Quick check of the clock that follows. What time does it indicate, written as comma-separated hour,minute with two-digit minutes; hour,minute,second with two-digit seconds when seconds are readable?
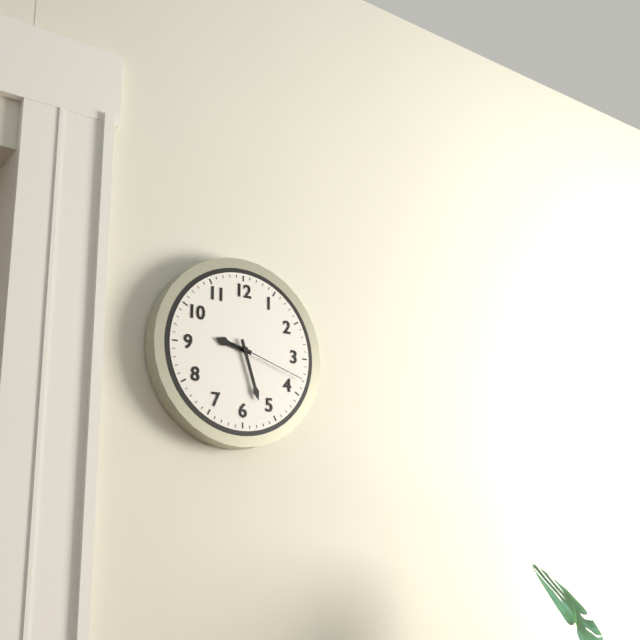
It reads 9,27,18
